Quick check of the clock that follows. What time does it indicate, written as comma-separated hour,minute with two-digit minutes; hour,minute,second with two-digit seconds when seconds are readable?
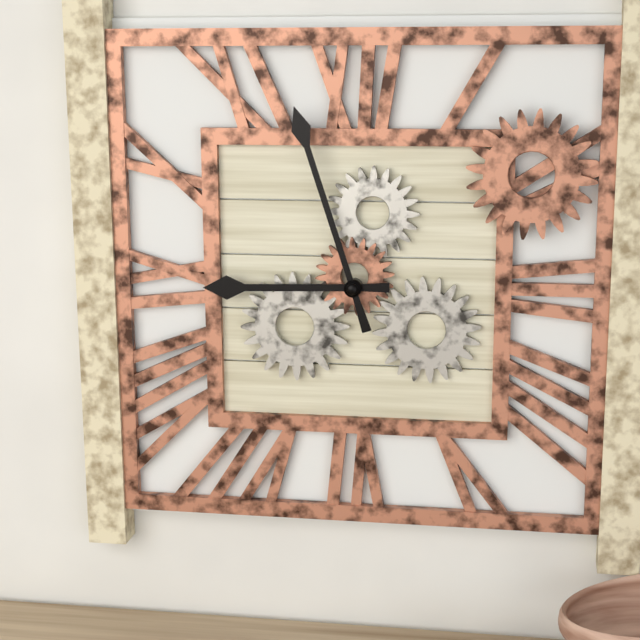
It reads 8,57
